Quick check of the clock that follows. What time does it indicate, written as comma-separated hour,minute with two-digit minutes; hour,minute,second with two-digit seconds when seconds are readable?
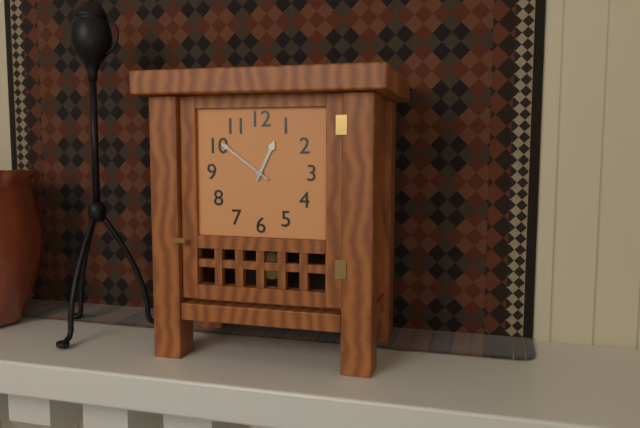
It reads 12,51
